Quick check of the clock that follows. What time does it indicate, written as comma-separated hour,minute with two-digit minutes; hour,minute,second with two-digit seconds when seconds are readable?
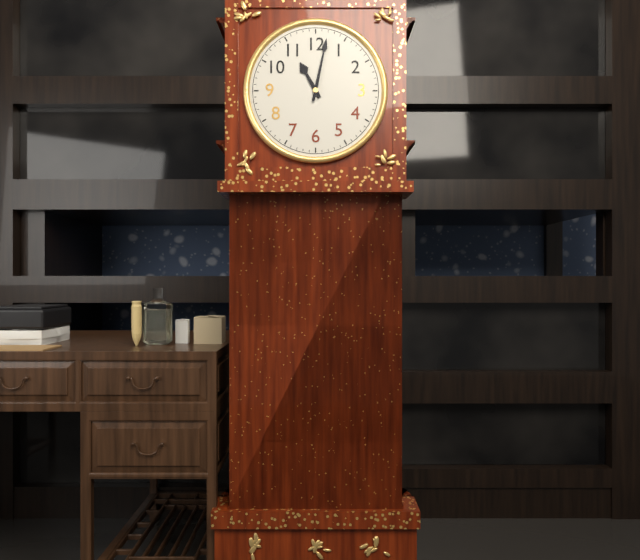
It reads 11,02
